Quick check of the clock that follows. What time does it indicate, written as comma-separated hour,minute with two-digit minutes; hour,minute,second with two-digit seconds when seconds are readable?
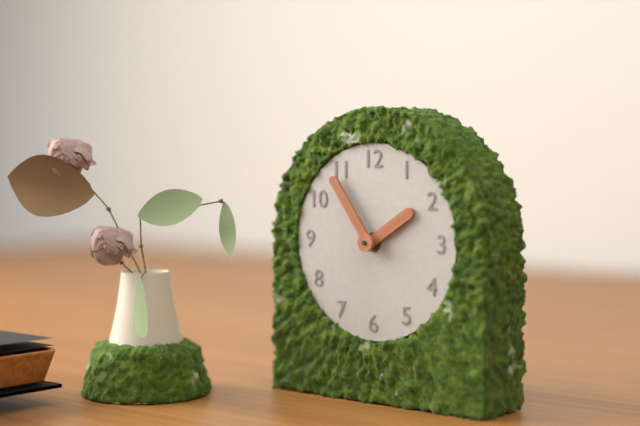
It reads 1,54
